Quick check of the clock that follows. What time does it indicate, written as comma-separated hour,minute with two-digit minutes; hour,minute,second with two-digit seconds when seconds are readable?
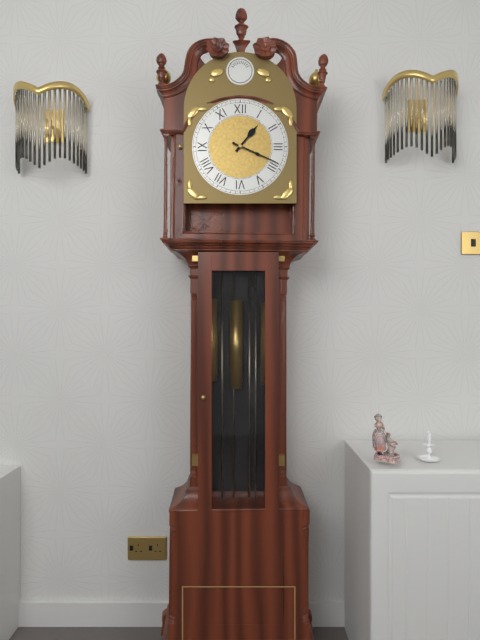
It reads 1,19
